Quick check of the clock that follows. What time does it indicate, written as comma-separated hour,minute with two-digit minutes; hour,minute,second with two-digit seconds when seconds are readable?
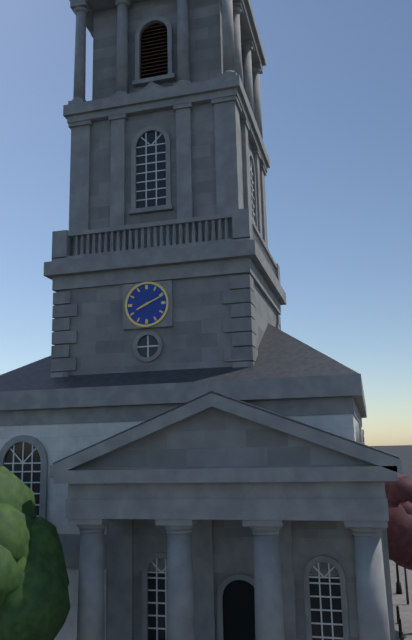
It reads 8,11
